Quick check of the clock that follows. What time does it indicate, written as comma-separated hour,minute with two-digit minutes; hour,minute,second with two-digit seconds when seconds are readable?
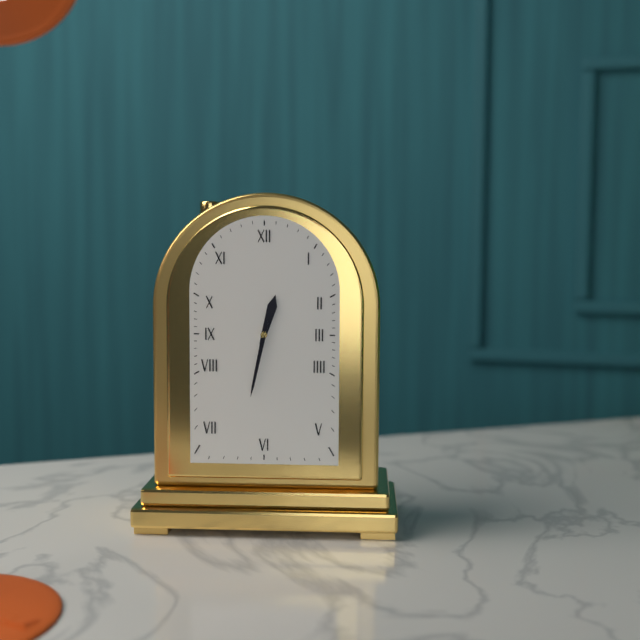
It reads 12,32
